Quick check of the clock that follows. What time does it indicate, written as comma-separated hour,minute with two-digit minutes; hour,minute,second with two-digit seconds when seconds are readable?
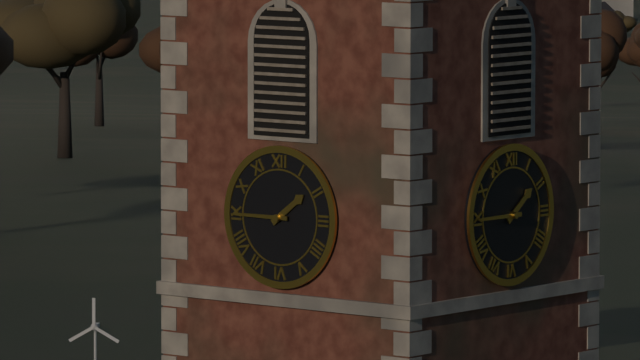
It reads 1,45
